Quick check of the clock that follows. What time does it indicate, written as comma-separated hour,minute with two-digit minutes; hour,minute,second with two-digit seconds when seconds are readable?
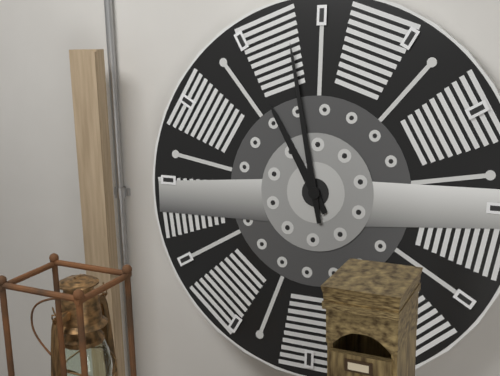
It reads 10,58
